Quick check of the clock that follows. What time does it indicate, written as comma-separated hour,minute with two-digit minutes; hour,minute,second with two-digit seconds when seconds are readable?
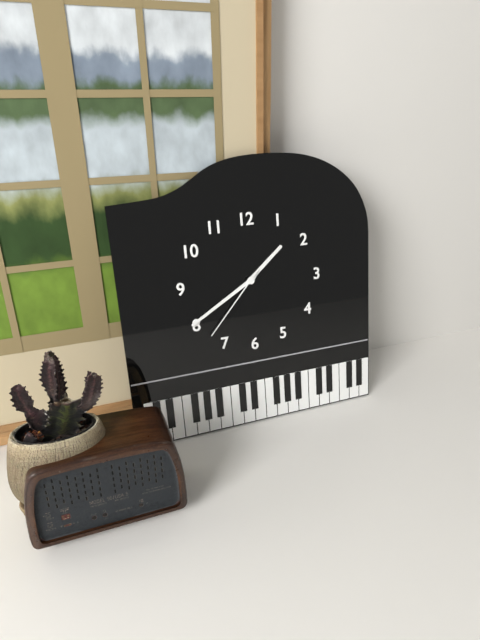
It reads 1,40,37
